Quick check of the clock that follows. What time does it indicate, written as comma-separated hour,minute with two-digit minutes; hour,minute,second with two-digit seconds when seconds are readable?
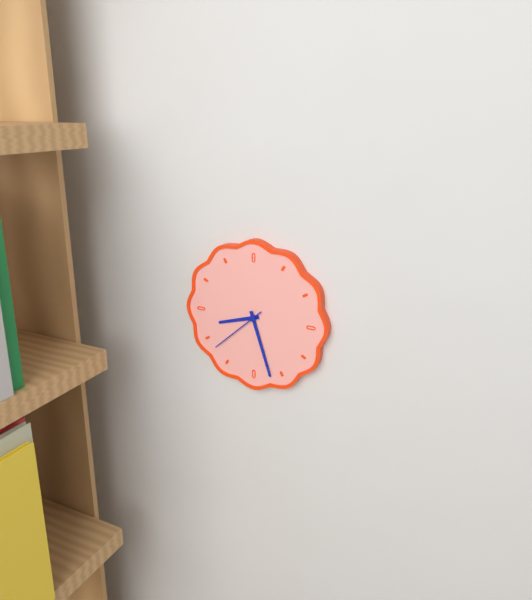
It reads 8,27,38
